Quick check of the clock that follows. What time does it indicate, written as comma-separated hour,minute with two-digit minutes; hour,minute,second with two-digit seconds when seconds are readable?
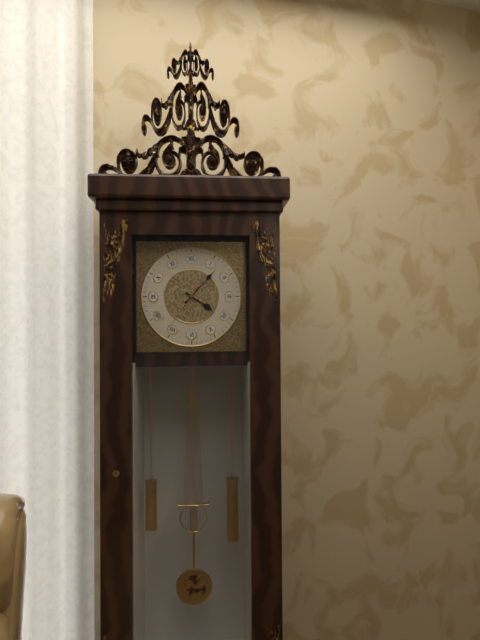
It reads 4,07
